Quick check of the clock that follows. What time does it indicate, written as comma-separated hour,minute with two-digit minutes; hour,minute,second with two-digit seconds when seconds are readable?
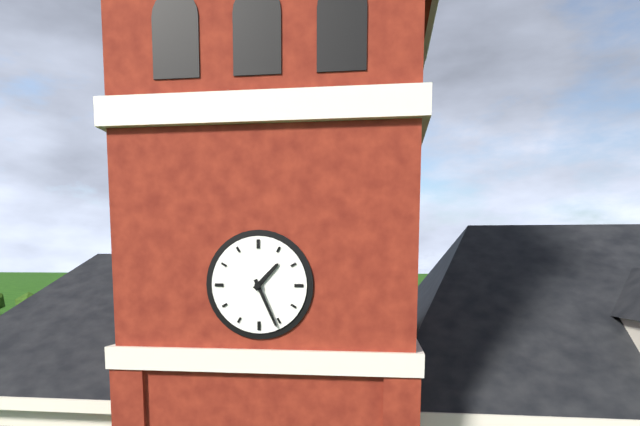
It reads 1,26
